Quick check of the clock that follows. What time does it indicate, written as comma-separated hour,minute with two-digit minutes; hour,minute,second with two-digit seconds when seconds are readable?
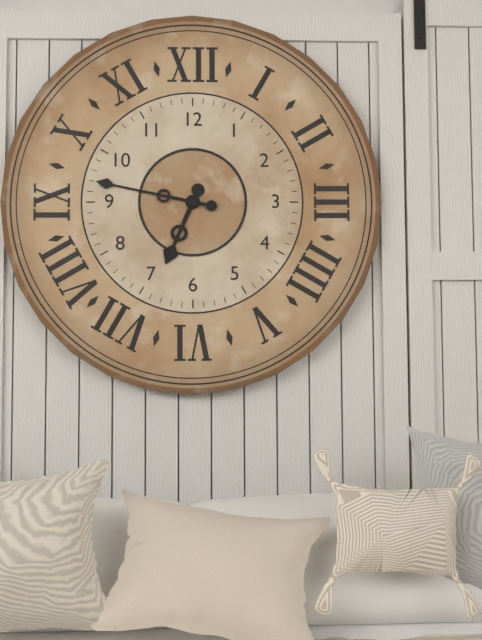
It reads 6,47
